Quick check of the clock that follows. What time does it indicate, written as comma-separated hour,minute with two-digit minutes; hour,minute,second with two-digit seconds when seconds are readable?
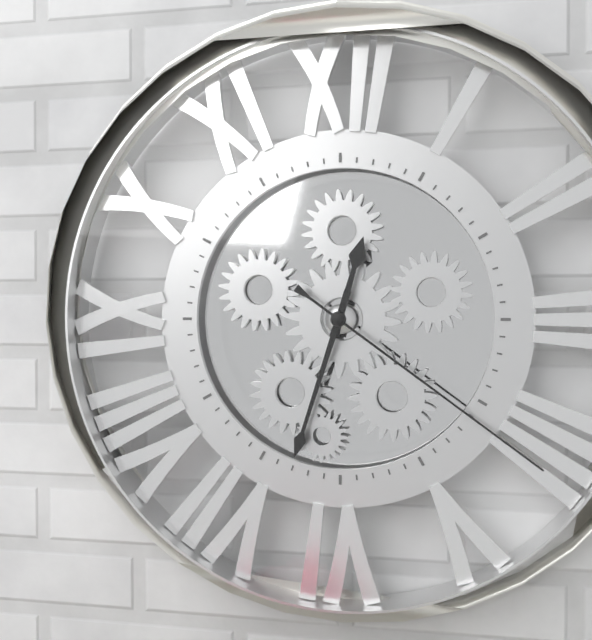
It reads 12,33,21
